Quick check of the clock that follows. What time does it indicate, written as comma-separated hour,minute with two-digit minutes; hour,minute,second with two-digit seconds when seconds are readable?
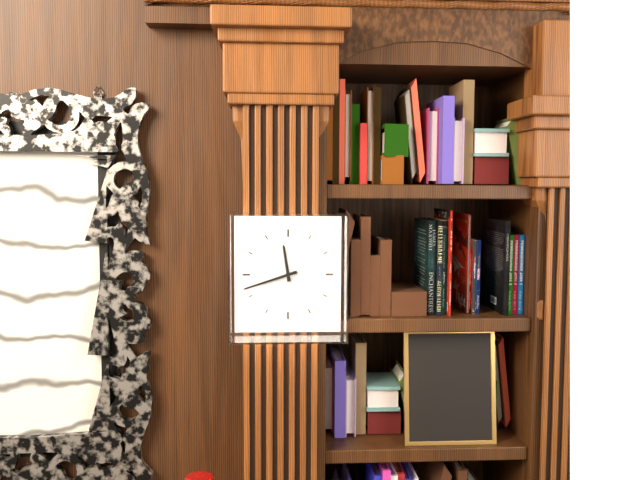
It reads 11,42
